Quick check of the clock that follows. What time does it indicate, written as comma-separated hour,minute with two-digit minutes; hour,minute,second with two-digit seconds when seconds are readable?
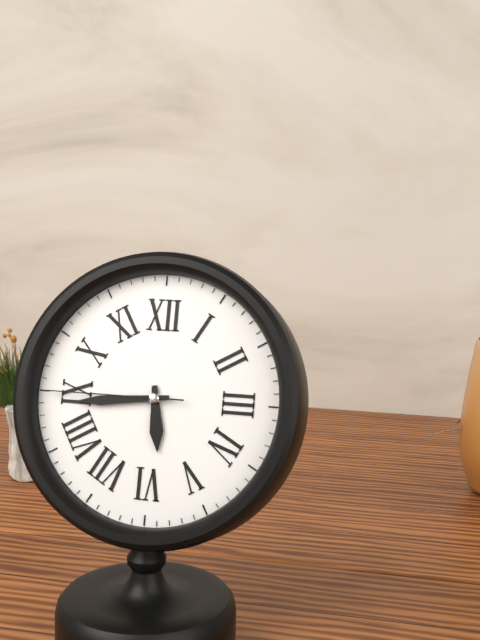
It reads 5,44,45
